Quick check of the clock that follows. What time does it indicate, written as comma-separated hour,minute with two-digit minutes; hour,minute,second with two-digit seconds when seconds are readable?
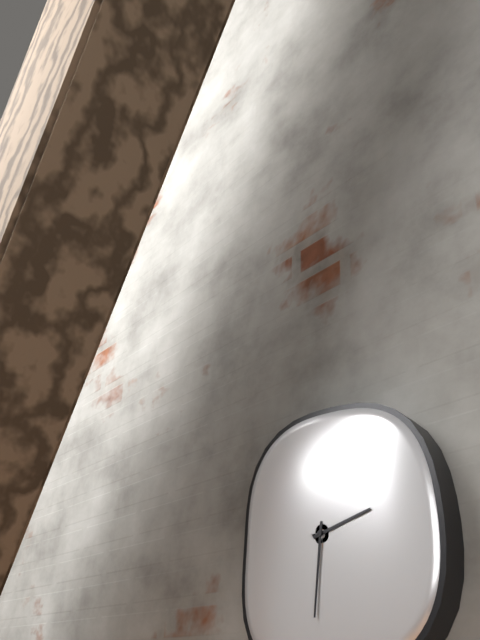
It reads 2,31
